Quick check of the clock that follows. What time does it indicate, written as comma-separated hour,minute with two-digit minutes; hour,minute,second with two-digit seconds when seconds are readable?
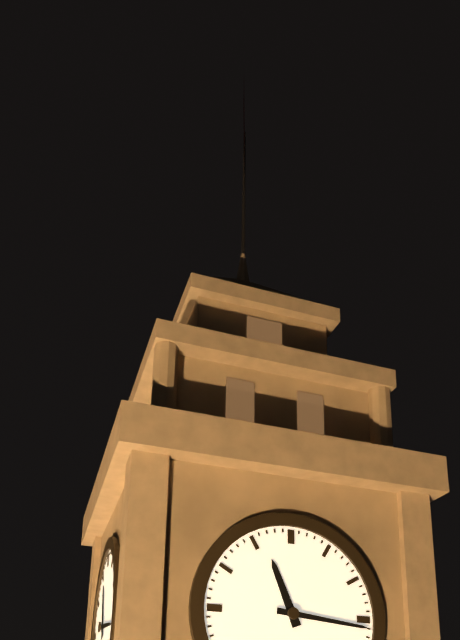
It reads 11,16
